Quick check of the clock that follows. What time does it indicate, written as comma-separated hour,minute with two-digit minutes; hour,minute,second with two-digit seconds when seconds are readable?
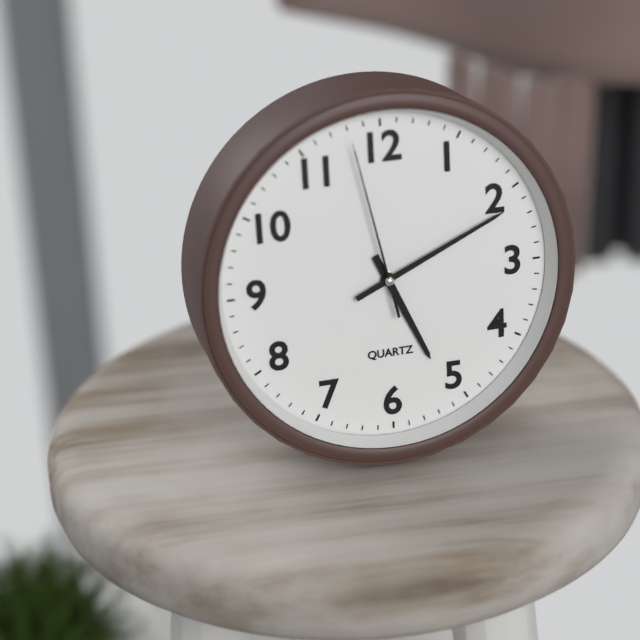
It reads 5,11,58
